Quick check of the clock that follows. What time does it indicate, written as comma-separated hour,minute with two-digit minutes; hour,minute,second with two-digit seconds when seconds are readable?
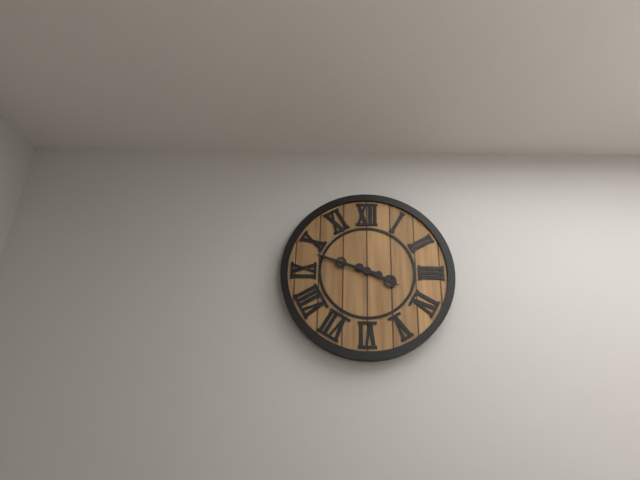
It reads 3,48
